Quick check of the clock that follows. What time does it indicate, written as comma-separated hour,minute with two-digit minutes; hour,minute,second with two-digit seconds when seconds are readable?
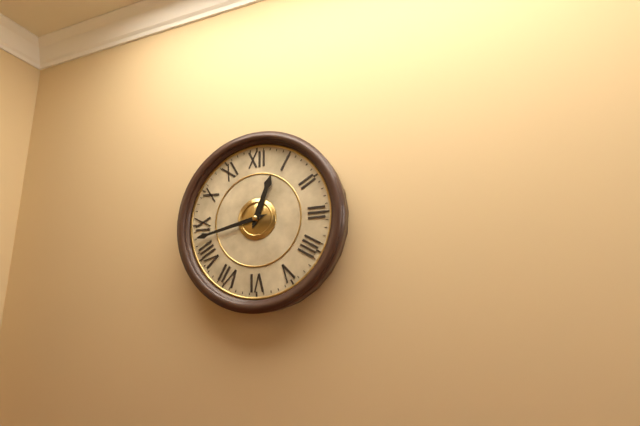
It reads 12,43
